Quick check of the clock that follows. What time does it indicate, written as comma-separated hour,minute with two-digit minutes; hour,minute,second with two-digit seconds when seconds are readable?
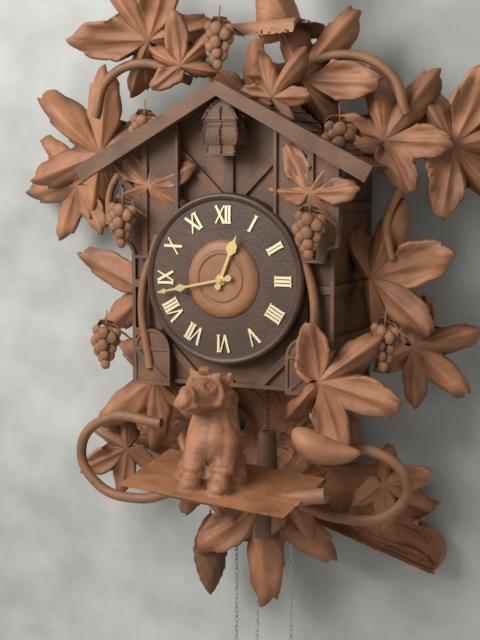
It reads 12,43
